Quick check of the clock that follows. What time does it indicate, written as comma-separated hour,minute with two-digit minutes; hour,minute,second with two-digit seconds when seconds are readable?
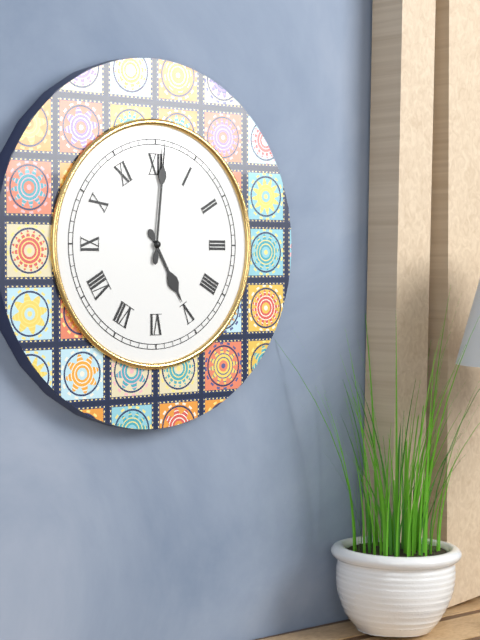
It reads 5,01
